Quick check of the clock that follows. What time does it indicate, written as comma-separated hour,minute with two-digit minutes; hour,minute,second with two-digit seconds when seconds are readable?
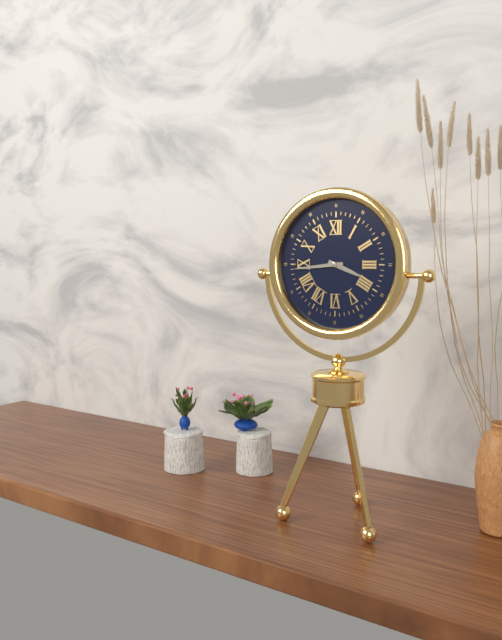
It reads 3,44
